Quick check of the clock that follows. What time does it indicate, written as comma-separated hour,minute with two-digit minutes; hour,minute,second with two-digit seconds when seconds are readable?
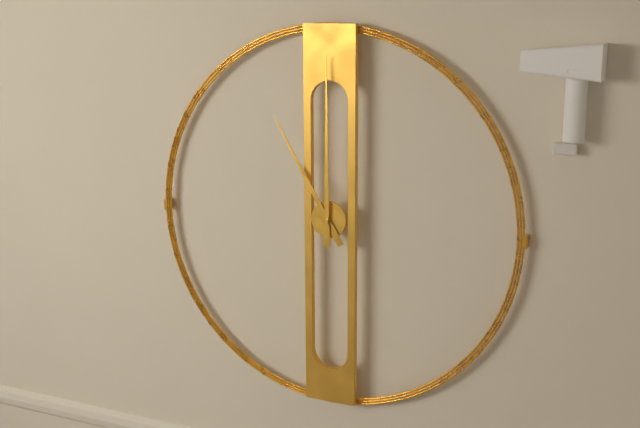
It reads 11,00
